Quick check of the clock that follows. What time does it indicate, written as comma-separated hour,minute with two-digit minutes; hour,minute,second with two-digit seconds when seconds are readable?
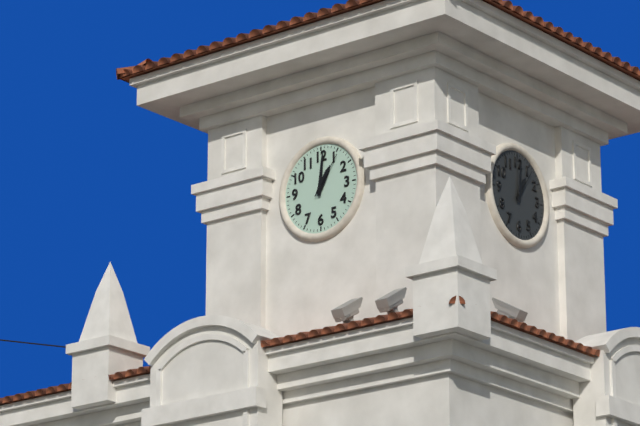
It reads 1,01
